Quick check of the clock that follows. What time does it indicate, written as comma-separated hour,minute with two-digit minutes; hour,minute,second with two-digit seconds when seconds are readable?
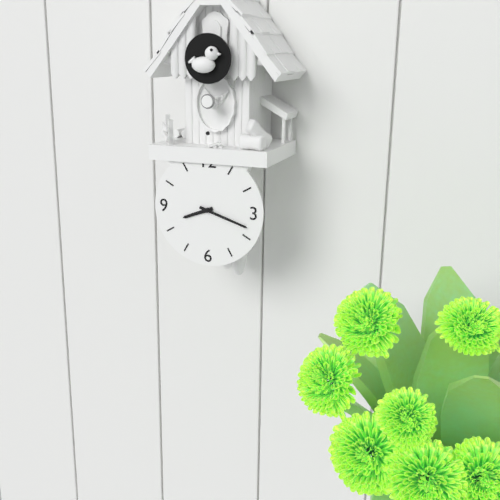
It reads 8,18
